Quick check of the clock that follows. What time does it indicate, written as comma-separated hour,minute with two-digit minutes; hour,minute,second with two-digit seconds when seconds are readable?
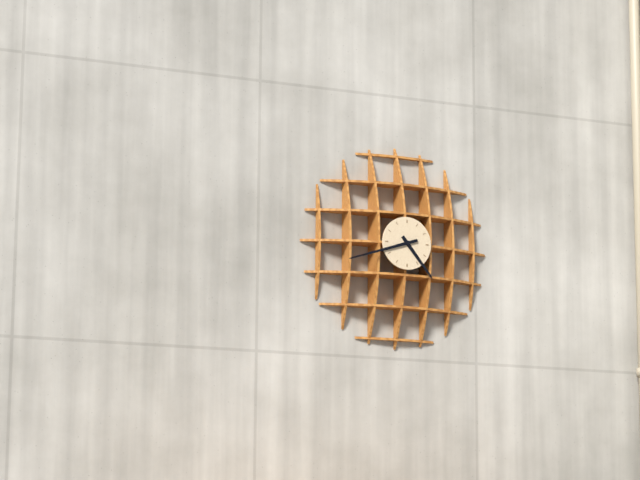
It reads 4,42
